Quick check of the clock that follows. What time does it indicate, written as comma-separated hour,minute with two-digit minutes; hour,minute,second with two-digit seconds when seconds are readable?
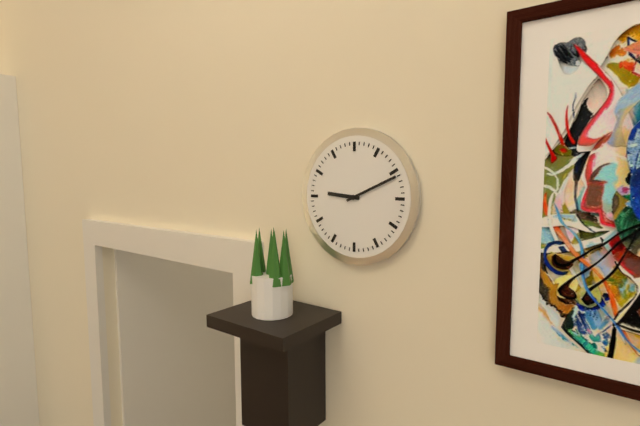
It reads 9,11
